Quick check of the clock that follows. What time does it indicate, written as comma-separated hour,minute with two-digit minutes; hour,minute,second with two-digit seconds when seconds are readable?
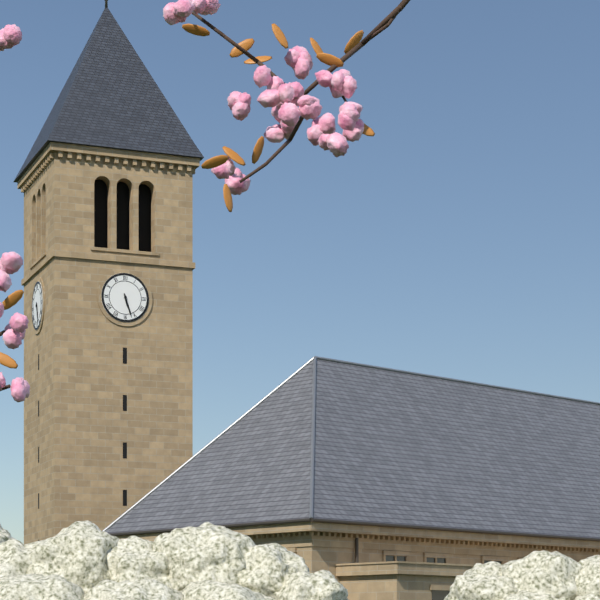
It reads 5,27
